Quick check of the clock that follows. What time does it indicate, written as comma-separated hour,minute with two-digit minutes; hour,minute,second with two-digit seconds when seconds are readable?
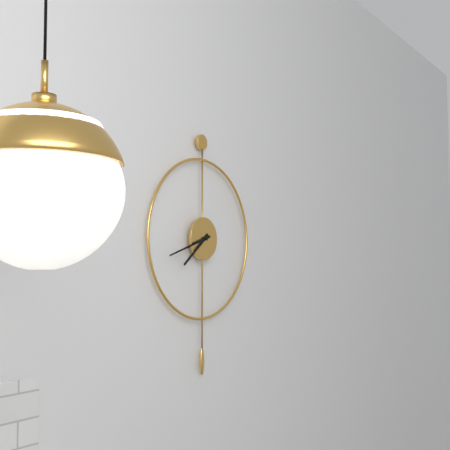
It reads 7,42
